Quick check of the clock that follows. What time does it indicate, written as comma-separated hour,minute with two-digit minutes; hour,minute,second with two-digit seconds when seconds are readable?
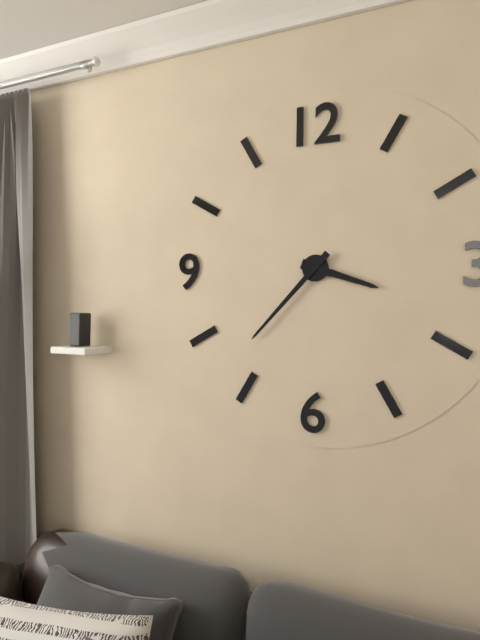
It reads 3,37
